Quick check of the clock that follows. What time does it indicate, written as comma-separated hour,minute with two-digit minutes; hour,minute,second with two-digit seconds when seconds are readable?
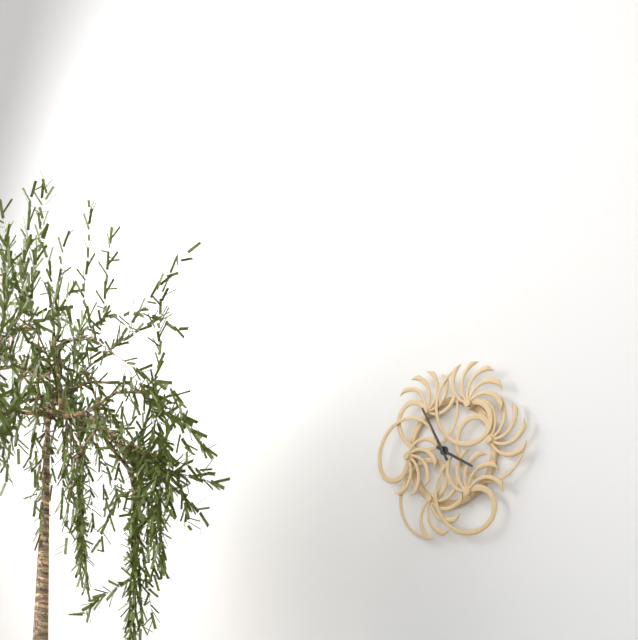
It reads 3,55
